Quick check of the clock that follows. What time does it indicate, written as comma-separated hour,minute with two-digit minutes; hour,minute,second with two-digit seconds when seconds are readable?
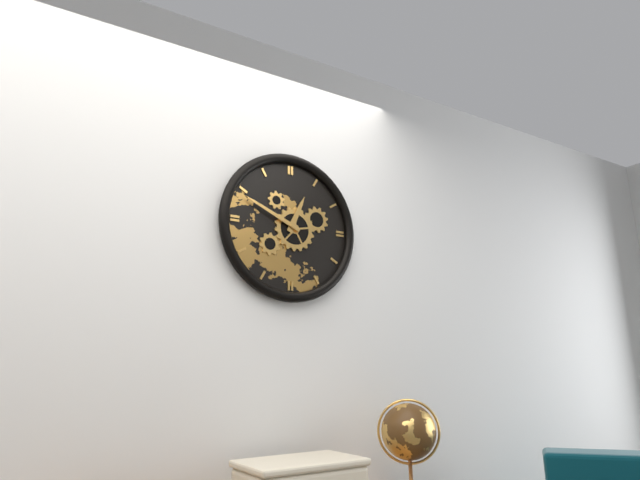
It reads 12,49
